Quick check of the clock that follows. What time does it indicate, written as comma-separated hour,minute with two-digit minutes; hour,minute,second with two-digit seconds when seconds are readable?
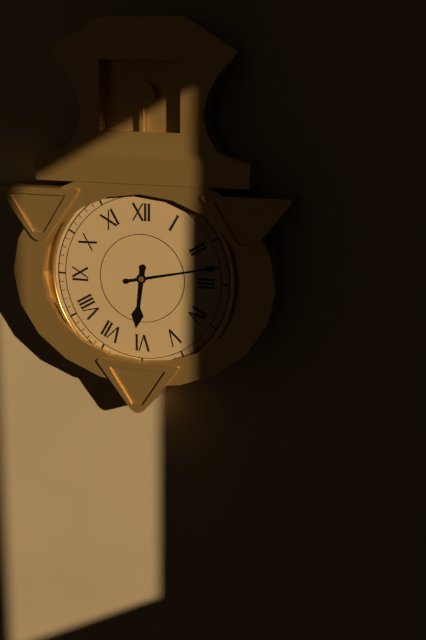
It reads 6,13
